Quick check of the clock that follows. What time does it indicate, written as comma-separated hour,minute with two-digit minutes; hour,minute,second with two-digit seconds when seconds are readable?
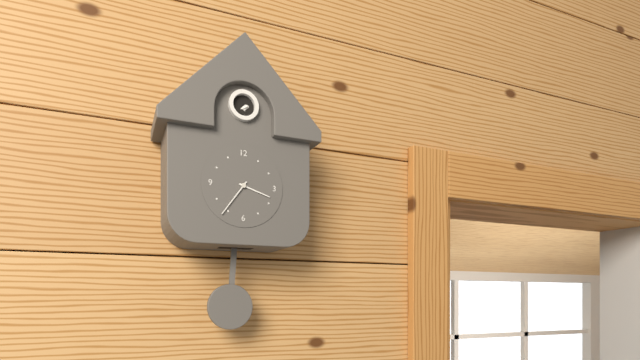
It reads 3,36
